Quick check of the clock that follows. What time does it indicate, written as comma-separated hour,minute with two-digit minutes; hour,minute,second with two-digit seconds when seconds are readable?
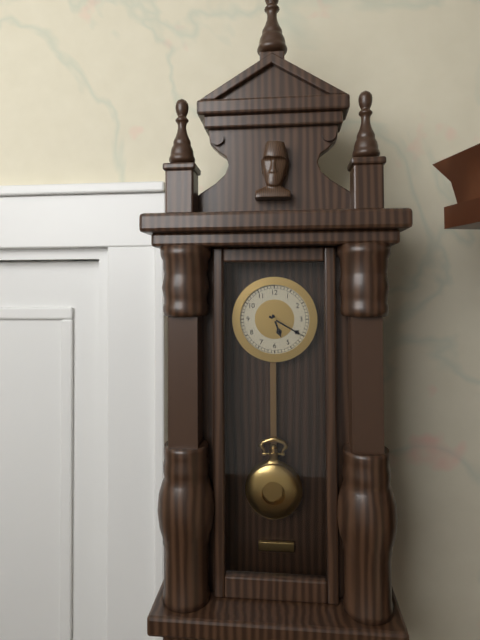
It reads 5,20
